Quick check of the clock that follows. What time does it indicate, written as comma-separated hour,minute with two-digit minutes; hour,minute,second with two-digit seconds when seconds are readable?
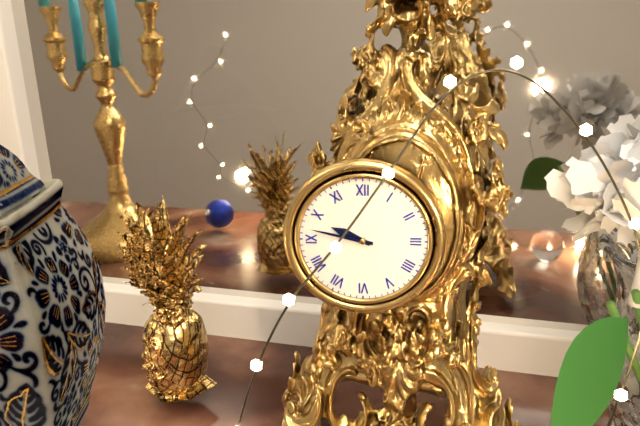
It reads 9,47
